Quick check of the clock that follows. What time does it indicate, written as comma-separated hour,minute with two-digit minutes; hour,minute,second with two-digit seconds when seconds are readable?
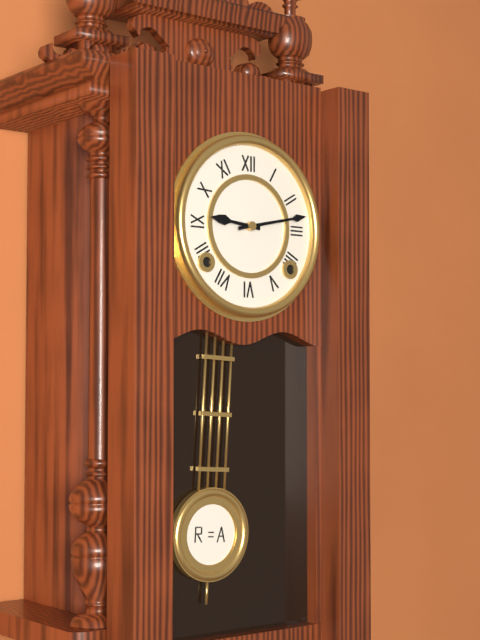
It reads 9,13
